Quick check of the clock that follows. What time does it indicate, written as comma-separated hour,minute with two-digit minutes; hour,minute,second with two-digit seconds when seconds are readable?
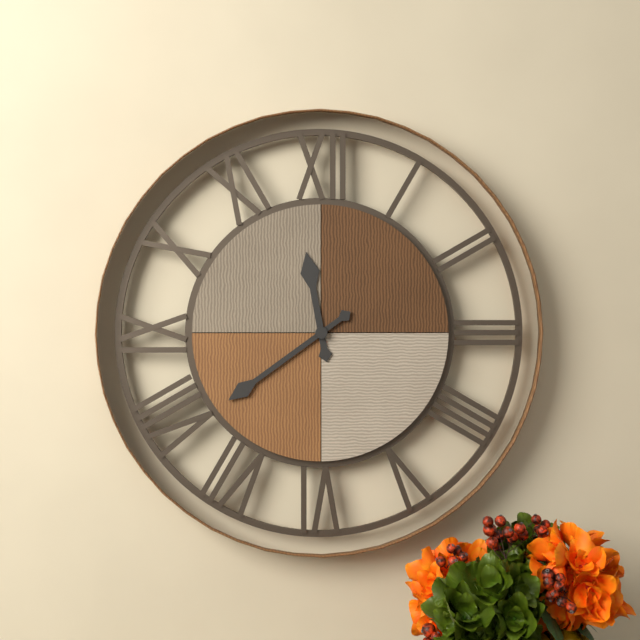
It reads 11,39
